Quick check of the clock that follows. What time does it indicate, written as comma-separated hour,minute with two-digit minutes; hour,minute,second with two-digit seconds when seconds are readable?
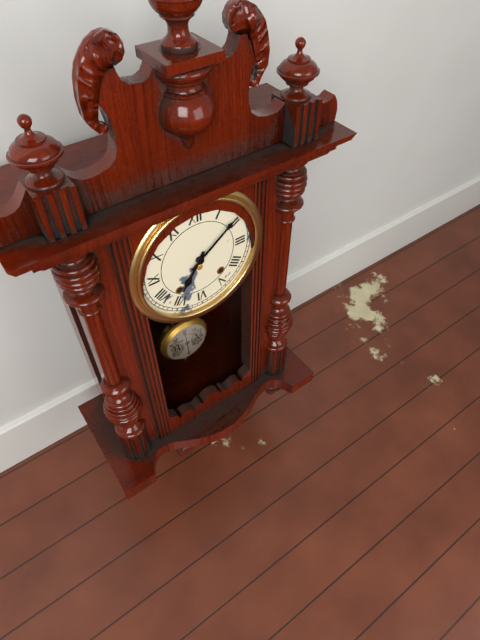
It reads 7,09
